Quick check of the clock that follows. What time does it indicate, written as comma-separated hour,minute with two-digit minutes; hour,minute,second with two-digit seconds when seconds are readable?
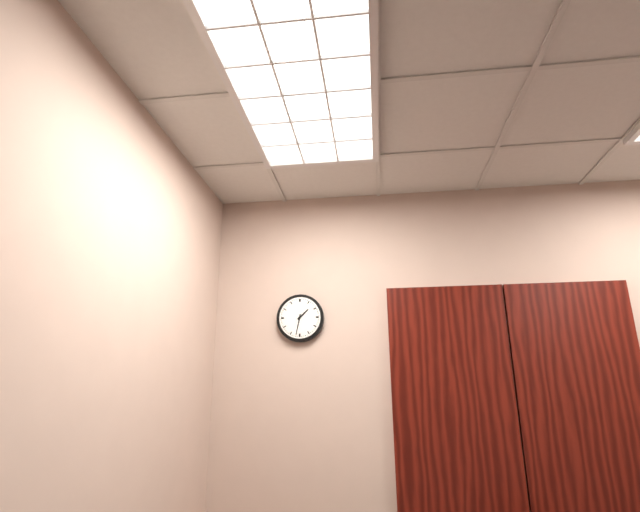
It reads 1,32
